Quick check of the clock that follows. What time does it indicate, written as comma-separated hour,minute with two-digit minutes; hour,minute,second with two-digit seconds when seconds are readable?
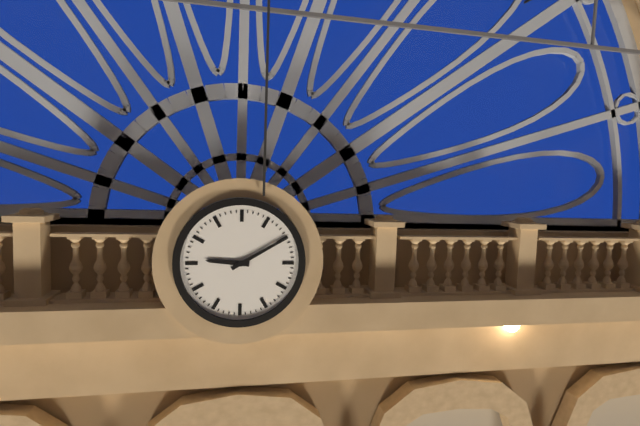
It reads 9,10
